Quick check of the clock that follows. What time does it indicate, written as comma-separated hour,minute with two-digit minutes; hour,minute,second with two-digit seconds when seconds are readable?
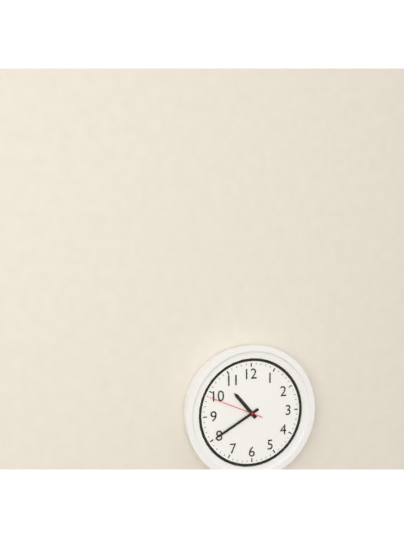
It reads 10,40,49
